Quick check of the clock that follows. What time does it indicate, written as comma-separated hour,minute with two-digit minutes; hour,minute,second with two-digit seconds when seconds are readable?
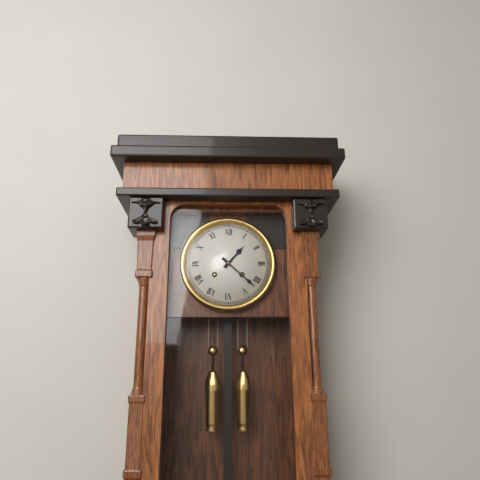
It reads 1,22
